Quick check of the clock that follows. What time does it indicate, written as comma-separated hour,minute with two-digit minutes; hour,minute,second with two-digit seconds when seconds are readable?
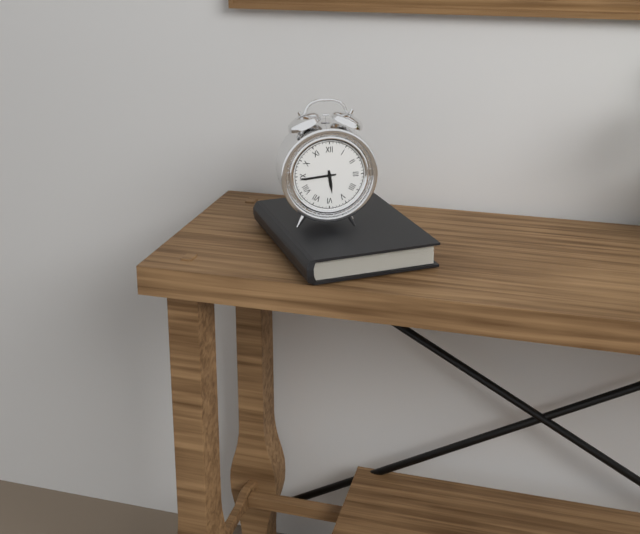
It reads 5,44
